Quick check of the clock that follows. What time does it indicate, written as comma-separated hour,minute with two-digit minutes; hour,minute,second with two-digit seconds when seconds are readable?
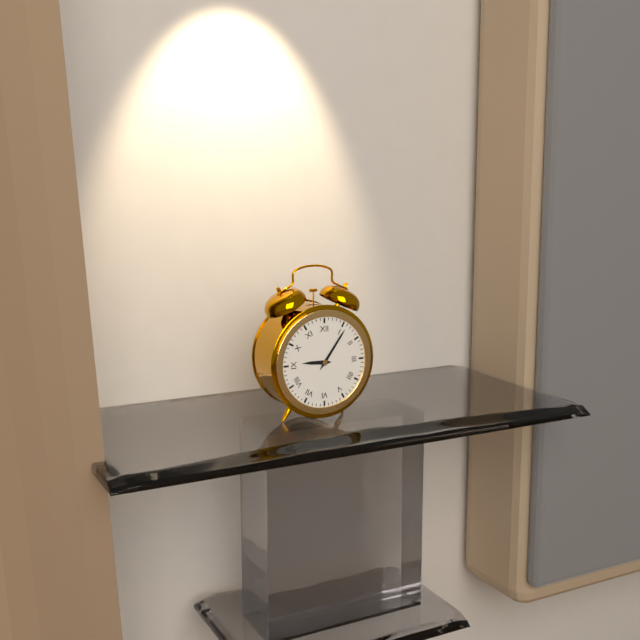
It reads 9,06
